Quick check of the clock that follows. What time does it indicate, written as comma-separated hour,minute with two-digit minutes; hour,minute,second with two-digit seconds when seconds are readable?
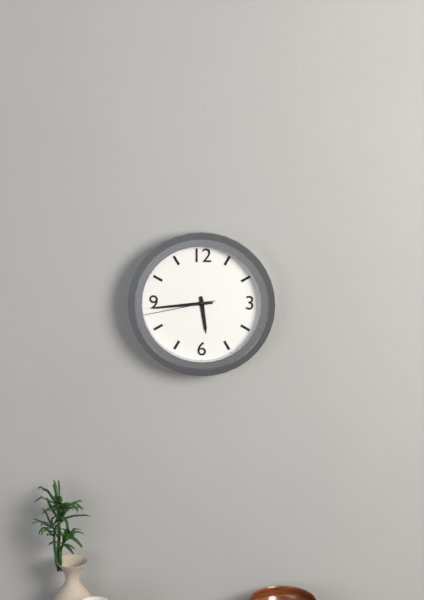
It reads 5,44,43
